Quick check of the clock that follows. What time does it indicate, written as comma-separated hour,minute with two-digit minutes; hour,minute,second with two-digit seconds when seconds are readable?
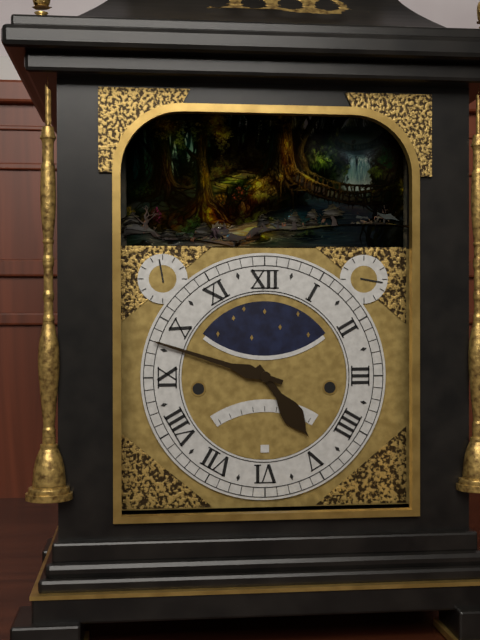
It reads 4,48
